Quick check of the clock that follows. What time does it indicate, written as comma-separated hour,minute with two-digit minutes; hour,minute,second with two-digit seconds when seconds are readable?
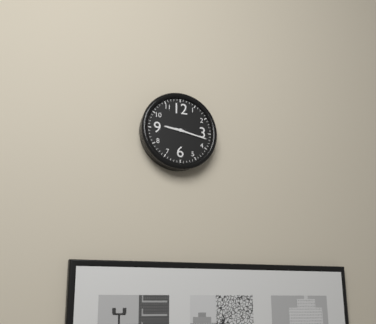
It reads 9,17
